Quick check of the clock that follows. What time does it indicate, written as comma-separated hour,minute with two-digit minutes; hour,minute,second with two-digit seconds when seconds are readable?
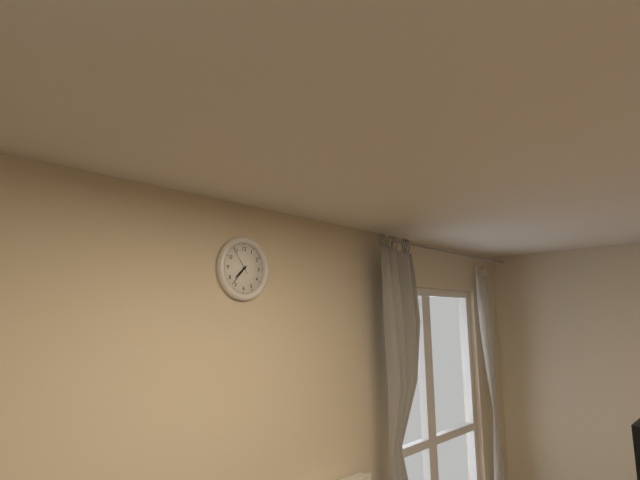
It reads 7,37
